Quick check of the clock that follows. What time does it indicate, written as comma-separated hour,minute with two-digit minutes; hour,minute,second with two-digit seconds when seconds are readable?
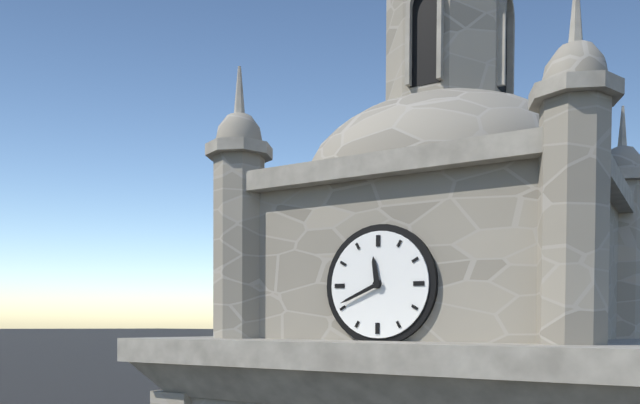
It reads 11,41
